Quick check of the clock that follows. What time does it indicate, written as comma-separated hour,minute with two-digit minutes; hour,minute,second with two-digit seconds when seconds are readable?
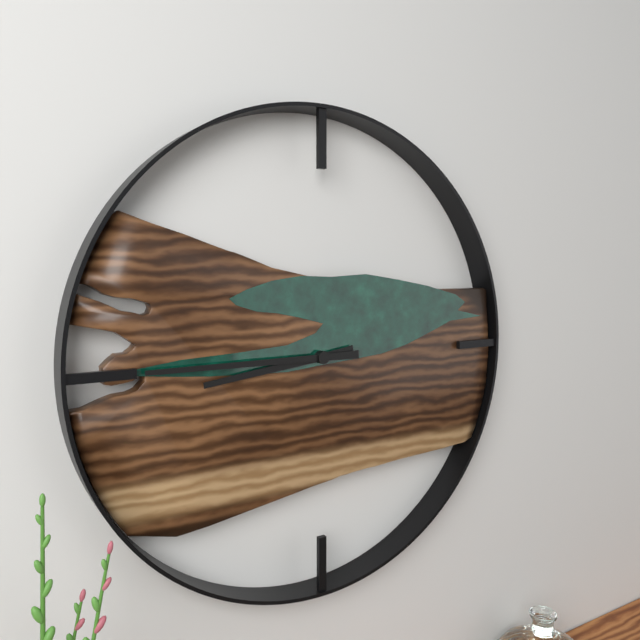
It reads 8,45
